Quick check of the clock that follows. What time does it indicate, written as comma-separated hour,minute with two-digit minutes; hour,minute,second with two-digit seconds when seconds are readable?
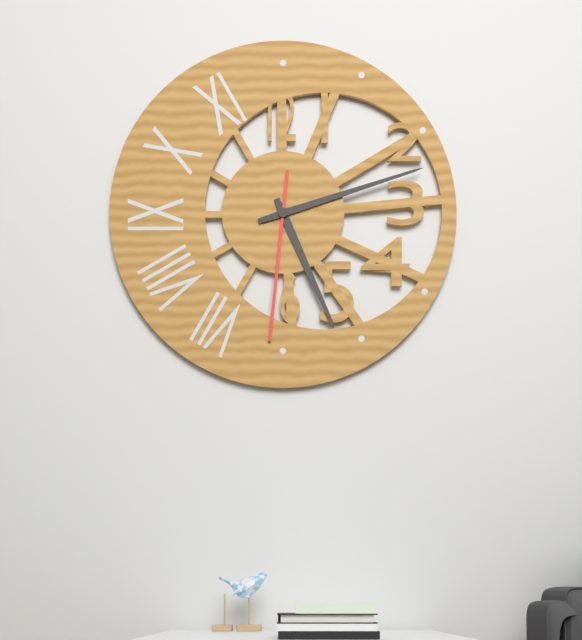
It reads 5,12,31
